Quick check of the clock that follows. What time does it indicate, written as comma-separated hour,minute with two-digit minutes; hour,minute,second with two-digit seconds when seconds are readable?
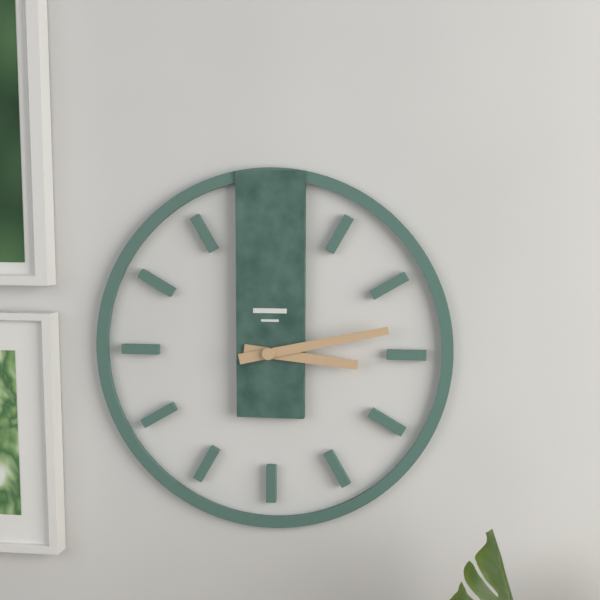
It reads 3,13
